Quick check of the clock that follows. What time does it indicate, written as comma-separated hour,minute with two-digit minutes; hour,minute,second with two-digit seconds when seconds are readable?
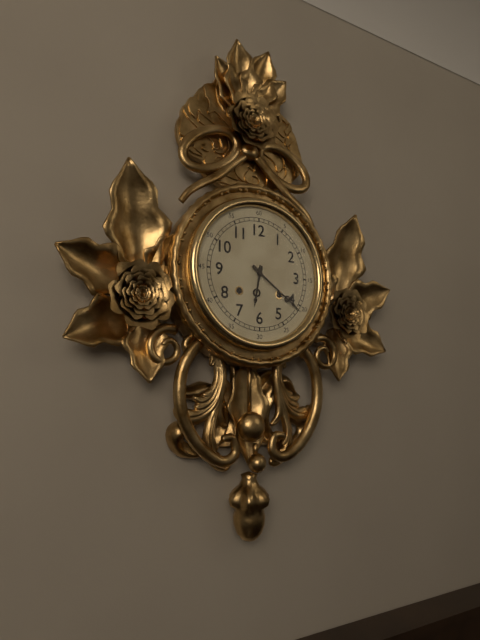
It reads 6,21
